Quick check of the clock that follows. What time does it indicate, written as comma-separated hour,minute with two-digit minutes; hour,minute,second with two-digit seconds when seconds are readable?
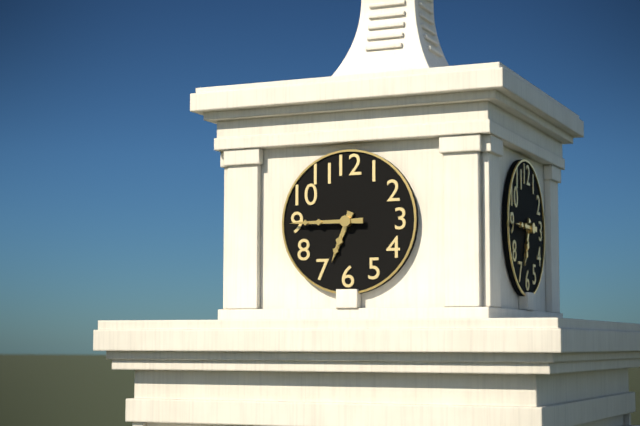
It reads 6,45
